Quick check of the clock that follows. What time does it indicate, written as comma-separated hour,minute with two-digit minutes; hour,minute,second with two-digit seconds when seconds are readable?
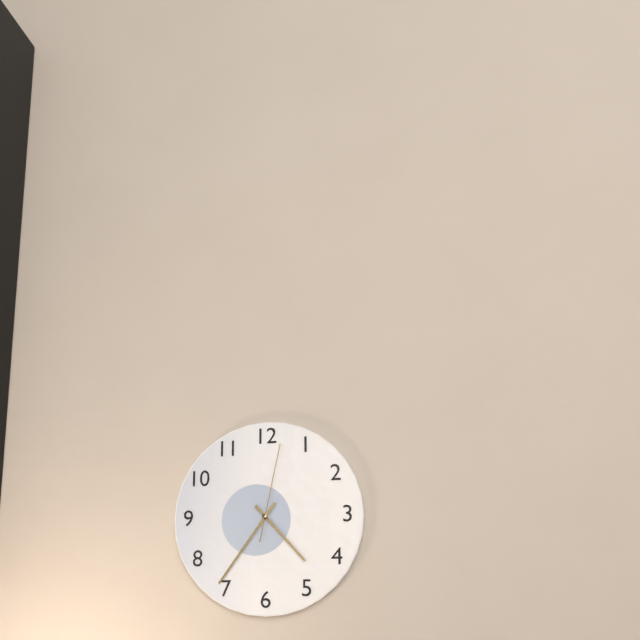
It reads 4,36,02
